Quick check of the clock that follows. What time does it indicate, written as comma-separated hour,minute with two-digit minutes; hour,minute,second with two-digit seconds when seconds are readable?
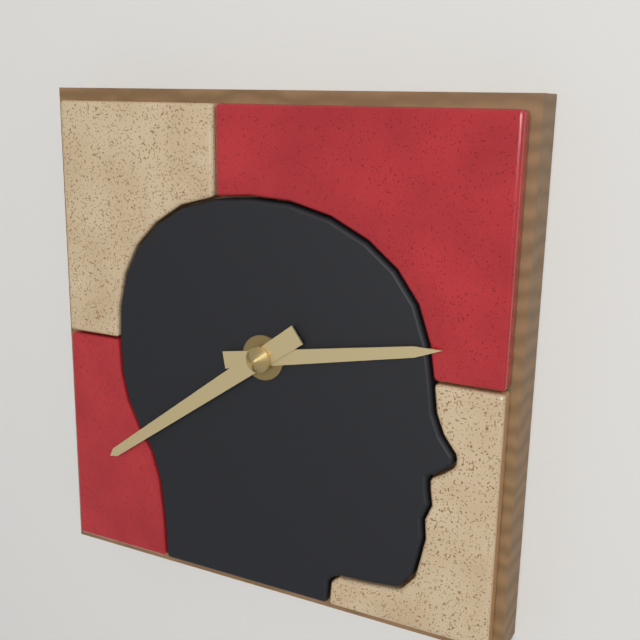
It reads 2,39
